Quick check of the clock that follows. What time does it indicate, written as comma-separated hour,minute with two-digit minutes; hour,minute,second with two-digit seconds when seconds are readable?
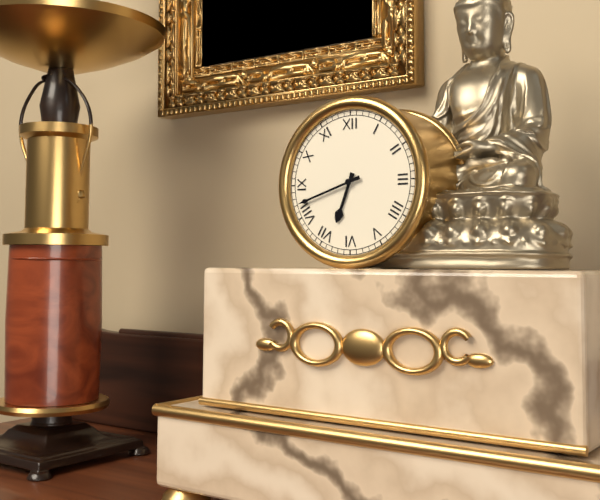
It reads 6,42
